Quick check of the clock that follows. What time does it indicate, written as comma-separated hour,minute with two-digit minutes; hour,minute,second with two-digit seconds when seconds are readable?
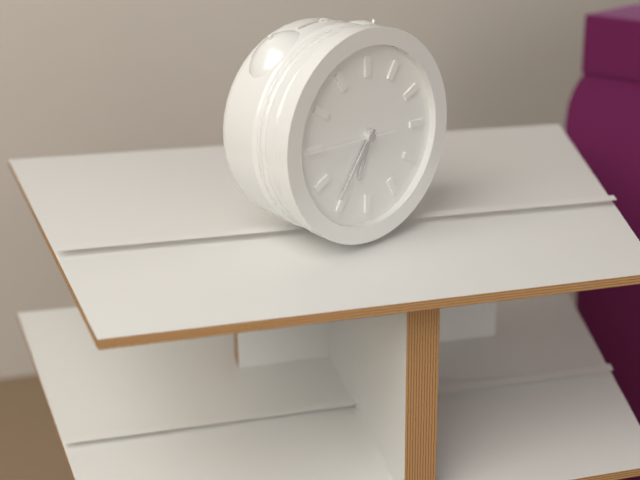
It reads 6,36,45
